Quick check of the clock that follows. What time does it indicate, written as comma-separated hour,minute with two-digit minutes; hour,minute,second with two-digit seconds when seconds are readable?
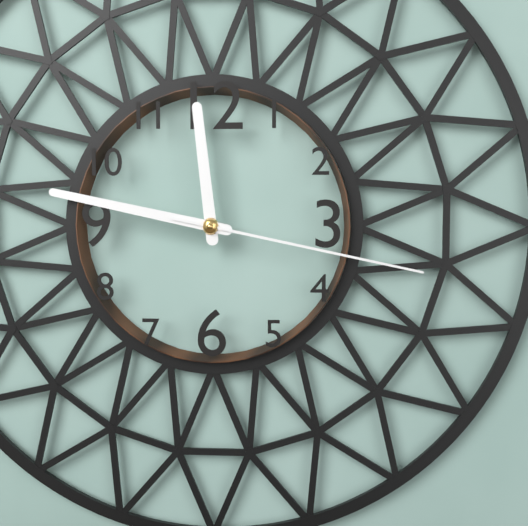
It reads 11,47,17
